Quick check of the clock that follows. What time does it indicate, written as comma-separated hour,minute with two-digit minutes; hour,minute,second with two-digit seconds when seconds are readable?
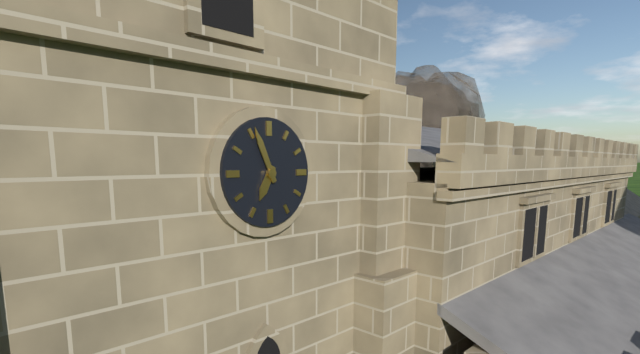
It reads 6,56
